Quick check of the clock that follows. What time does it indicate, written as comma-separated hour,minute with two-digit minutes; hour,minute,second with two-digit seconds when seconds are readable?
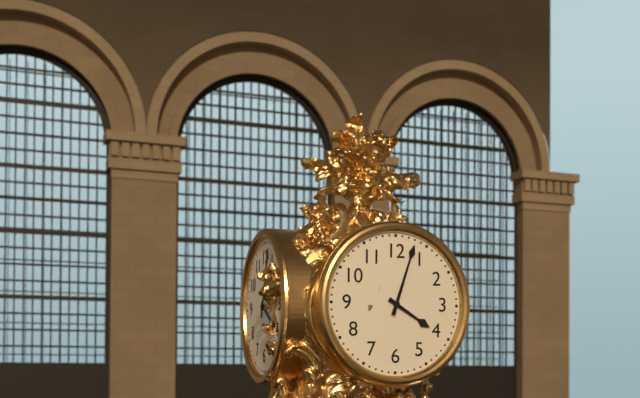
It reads 4,03
